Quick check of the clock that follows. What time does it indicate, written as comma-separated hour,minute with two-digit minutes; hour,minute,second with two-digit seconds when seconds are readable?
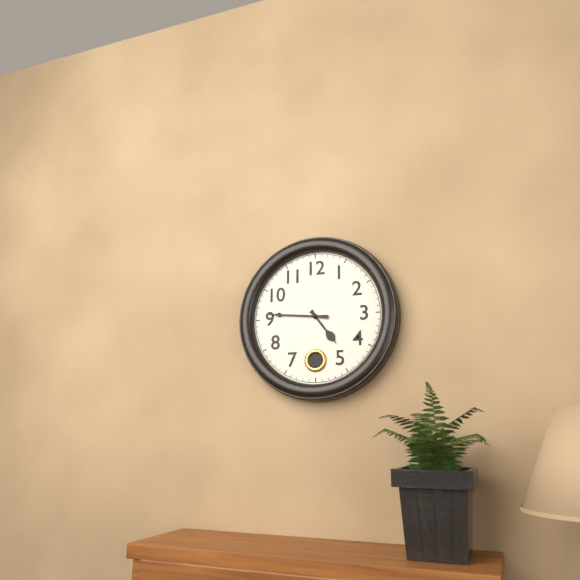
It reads 4,46
